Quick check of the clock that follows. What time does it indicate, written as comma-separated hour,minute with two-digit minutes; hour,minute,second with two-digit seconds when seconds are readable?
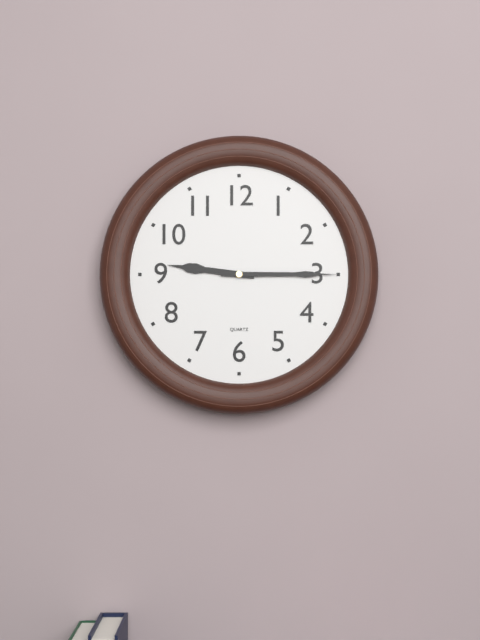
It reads 9,15
